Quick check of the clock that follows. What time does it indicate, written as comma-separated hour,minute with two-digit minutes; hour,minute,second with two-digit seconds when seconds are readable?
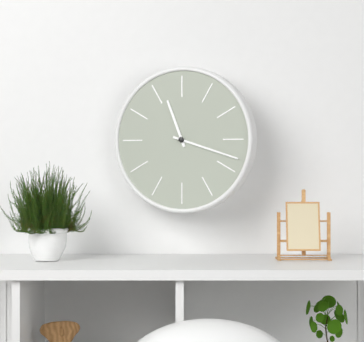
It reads 11,18
